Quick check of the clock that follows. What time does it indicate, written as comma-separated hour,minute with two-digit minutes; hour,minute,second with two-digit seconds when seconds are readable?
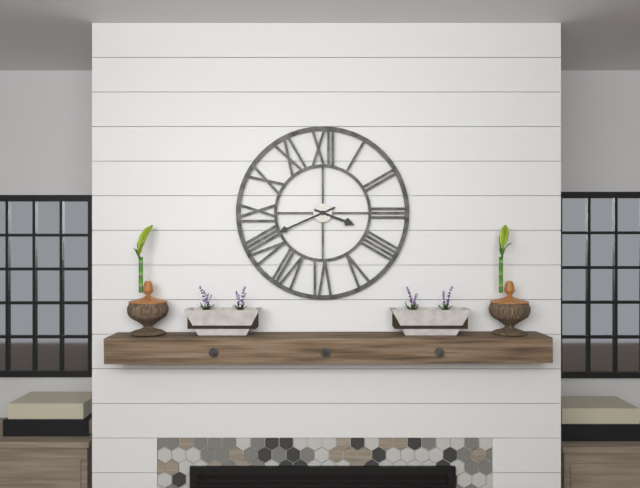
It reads 3,41
